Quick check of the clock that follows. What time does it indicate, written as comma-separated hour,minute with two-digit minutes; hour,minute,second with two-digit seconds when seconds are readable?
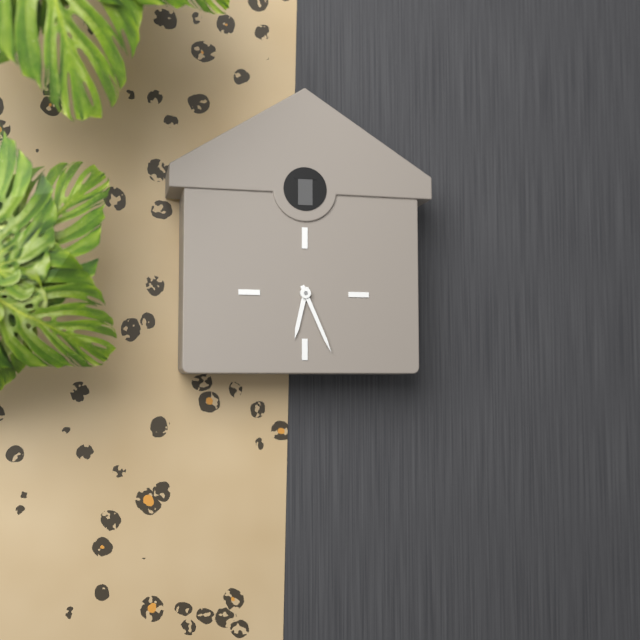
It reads 6,26
